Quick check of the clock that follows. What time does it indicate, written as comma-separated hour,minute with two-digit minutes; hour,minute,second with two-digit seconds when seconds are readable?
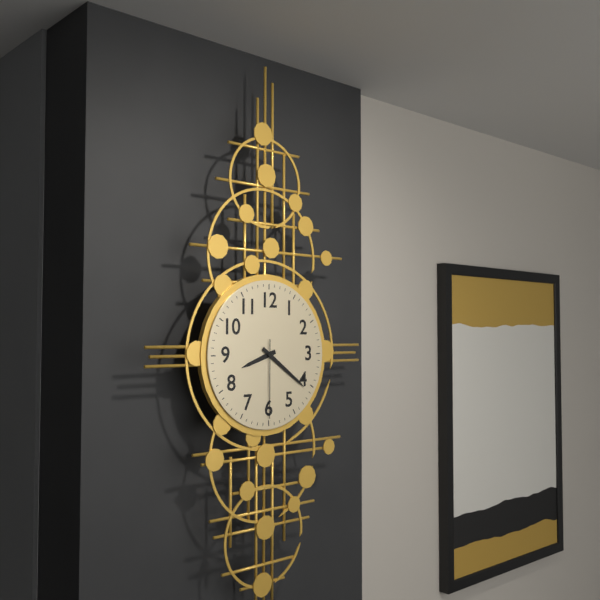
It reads 8,21,30
